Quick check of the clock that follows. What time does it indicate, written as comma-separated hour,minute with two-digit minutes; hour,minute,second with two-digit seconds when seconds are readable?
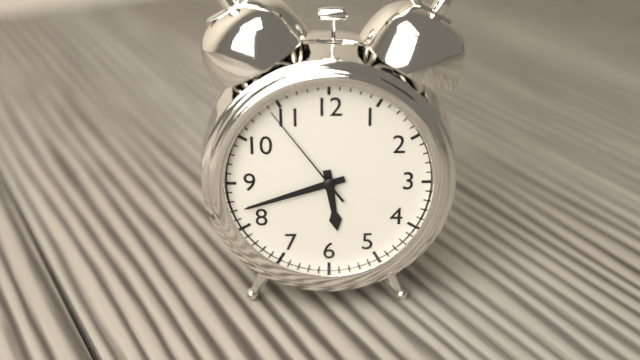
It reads 5,42,54
